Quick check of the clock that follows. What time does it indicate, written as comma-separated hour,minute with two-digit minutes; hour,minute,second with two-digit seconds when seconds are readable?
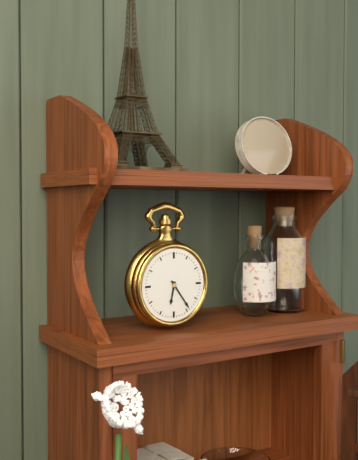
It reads 6,24
